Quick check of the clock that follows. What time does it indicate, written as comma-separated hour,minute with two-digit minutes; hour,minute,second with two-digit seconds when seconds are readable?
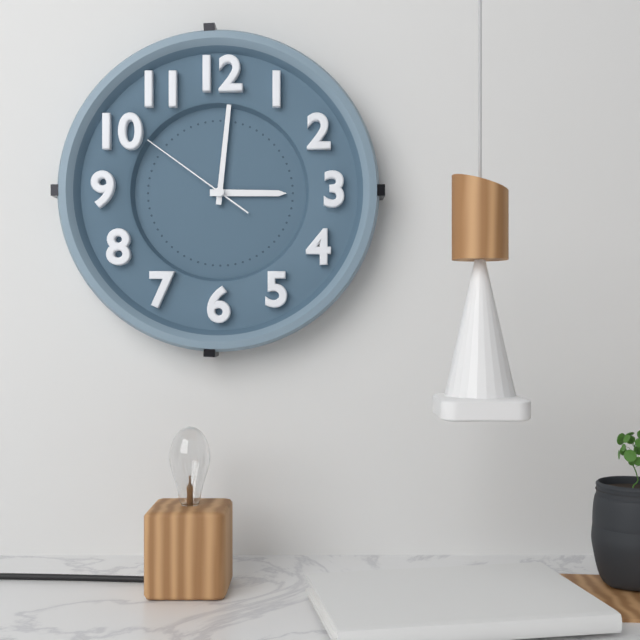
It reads 3,01,51
